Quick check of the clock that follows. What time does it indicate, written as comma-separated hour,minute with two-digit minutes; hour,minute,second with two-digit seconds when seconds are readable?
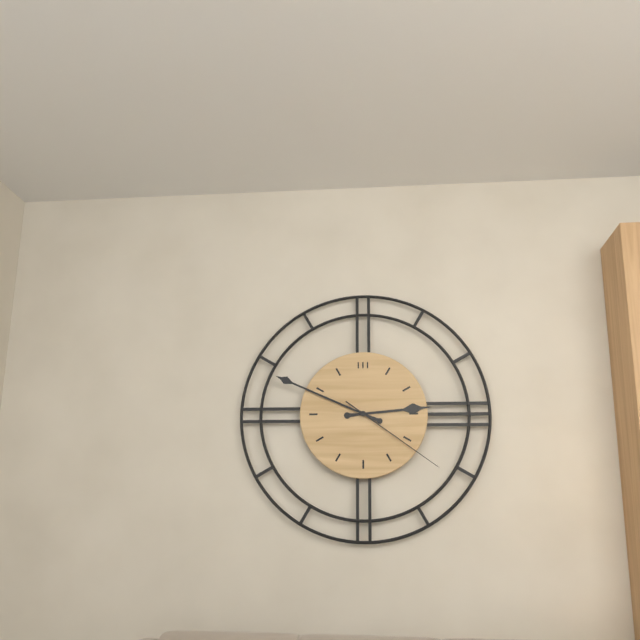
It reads 2,49,21
